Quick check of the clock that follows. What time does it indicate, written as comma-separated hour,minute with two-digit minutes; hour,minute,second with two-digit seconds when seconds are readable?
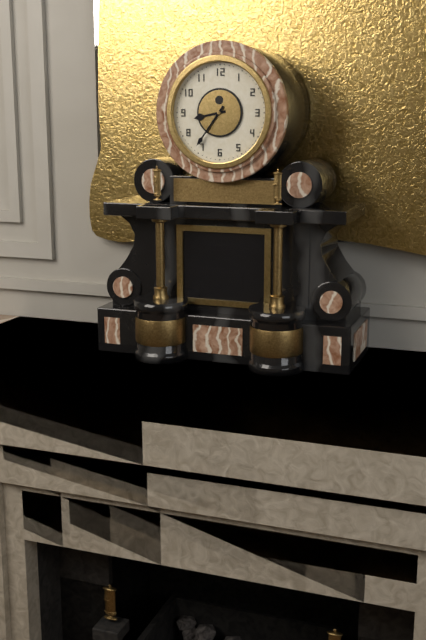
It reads 8,36
